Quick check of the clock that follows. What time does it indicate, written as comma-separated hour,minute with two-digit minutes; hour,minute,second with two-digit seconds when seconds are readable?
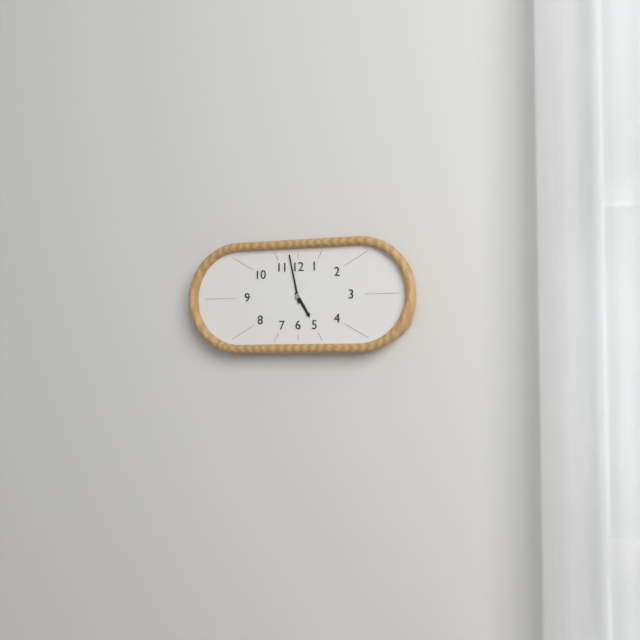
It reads 4,58
